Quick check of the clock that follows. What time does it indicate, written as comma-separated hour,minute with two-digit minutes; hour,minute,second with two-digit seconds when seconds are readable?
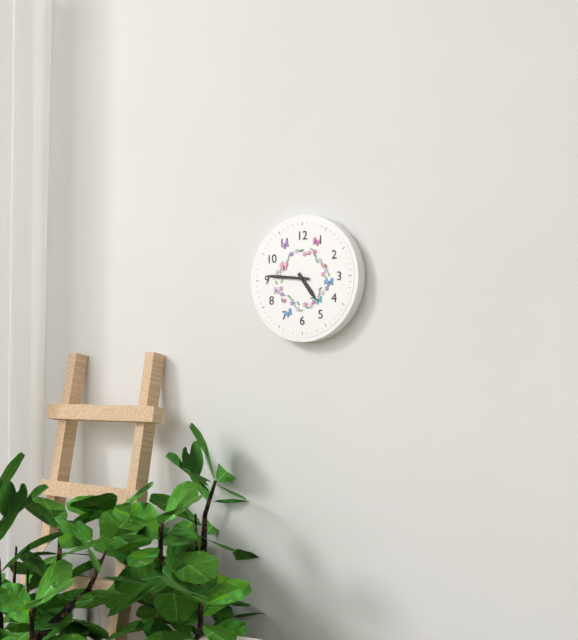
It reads 4,46
